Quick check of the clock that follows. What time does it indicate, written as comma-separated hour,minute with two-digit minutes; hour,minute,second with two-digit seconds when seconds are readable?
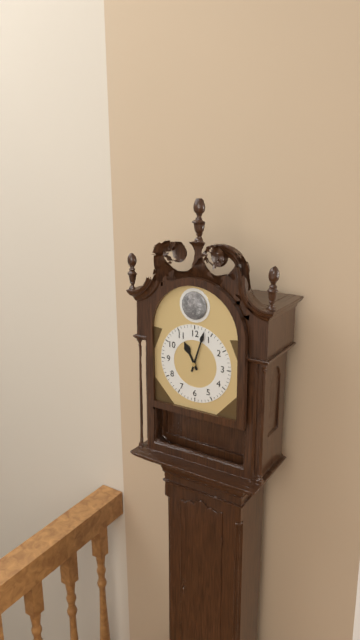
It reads 11,03
